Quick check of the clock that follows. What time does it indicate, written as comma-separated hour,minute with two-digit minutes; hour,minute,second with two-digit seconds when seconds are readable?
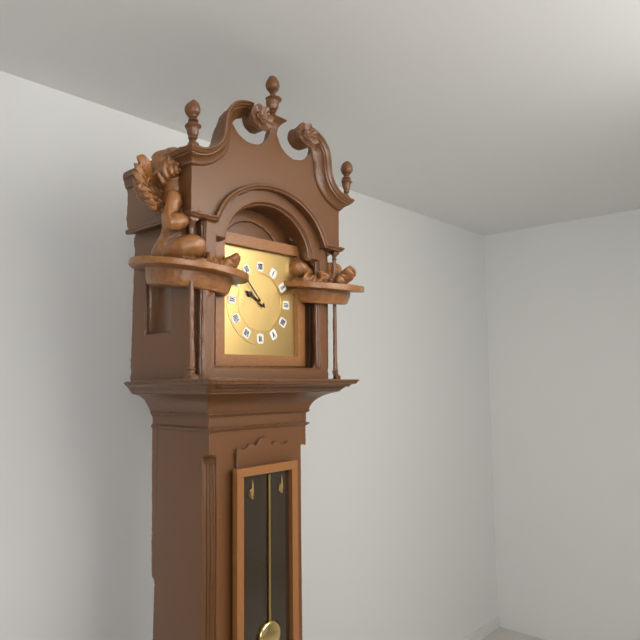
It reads 9,53
